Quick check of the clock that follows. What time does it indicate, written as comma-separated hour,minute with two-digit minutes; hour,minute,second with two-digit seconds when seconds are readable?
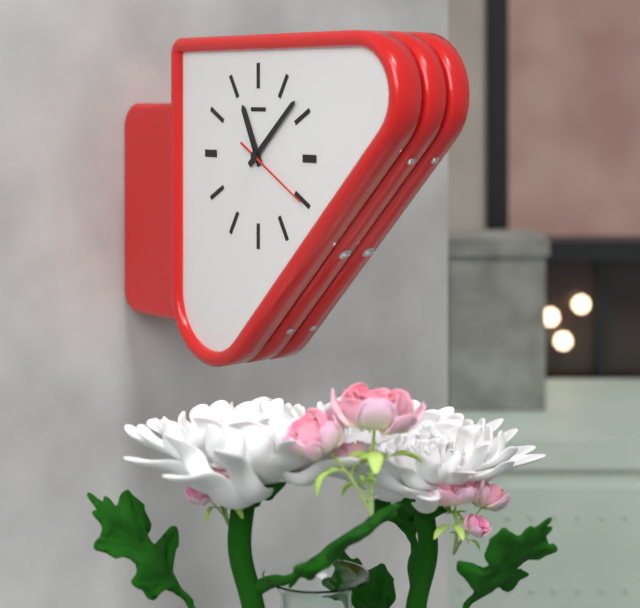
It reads 11,08,20
